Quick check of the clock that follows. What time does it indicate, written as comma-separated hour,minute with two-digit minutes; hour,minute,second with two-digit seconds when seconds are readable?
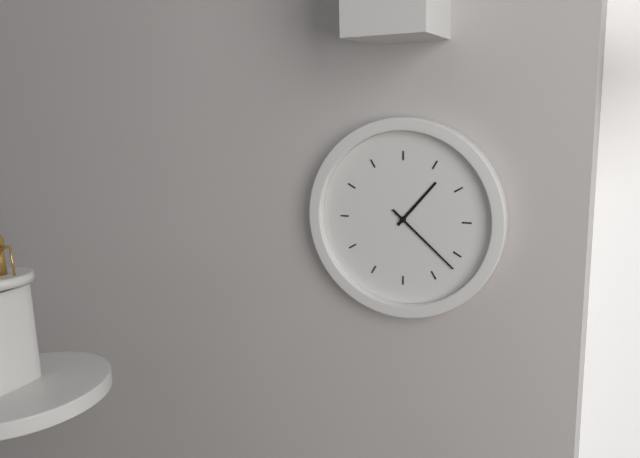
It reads 1,22
